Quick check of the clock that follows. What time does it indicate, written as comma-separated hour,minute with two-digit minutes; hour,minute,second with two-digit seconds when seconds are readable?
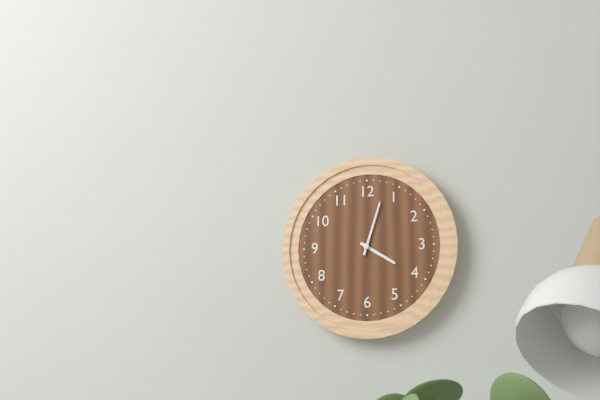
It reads 4,03
